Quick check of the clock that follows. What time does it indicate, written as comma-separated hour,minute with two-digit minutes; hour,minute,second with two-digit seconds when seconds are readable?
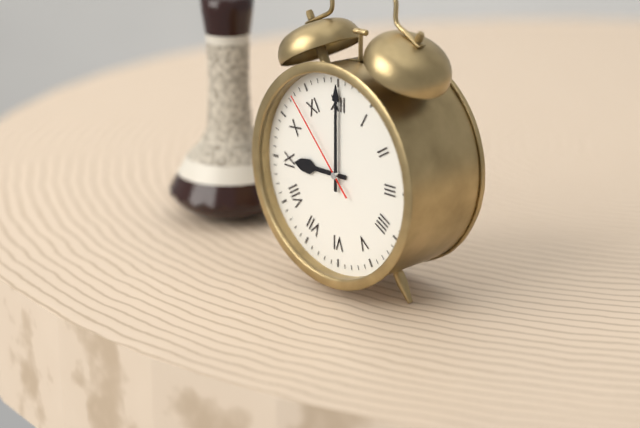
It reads 9,00,53
